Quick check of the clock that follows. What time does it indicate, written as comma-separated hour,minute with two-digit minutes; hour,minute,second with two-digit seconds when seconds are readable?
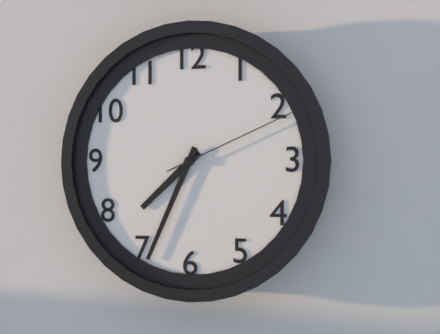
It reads 7,34,11
